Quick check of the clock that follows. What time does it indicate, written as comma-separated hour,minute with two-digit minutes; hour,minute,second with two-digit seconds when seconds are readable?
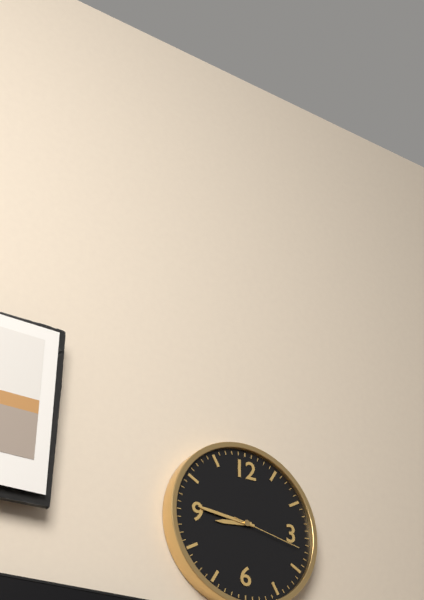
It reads 8,46,17
